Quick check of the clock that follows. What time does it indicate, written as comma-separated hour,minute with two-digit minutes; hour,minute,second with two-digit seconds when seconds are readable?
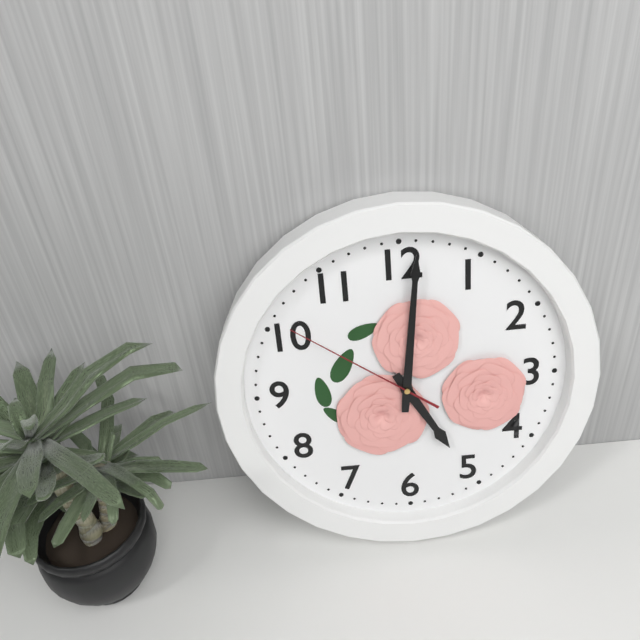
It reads 5,01,51
